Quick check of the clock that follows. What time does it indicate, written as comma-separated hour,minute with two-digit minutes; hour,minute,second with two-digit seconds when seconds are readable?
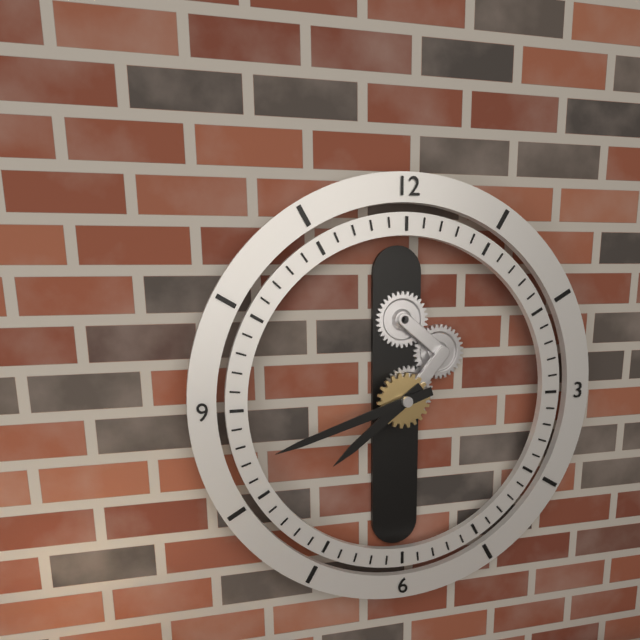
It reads 7,42
